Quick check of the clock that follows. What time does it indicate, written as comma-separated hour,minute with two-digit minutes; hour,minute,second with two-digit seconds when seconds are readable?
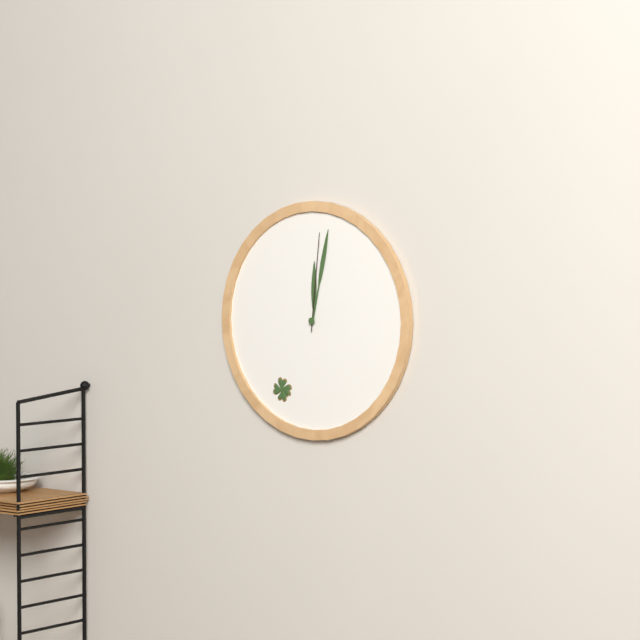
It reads 12,02,01
